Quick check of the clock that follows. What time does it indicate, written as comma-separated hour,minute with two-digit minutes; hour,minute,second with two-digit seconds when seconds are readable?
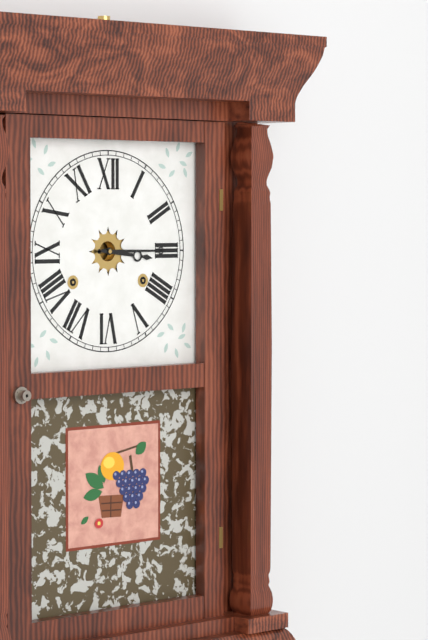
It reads 3,15
